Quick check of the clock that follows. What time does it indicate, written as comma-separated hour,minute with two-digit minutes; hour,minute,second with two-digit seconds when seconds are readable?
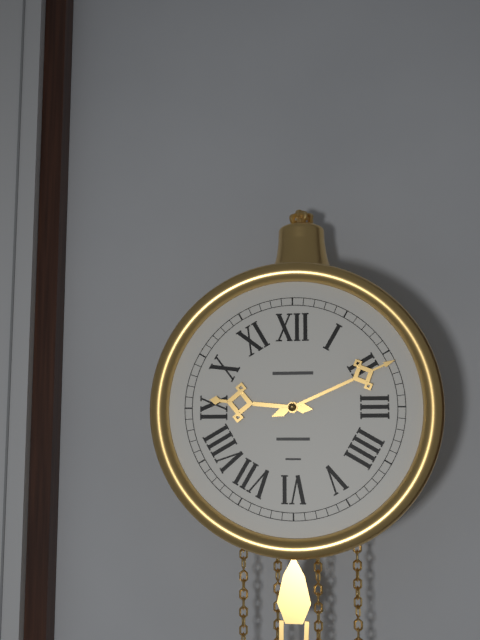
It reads 9,11
